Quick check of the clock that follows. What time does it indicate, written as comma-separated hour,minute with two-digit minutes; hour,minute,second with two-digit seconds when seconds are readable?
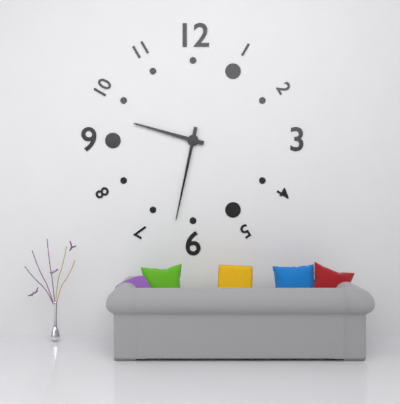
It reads 9,32
